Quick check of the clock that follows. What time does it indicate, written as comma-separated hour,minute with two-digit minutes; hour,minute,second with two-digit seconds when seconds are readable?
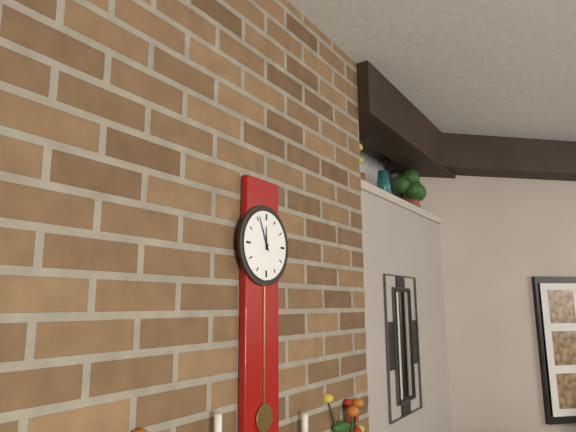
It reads 11,56
